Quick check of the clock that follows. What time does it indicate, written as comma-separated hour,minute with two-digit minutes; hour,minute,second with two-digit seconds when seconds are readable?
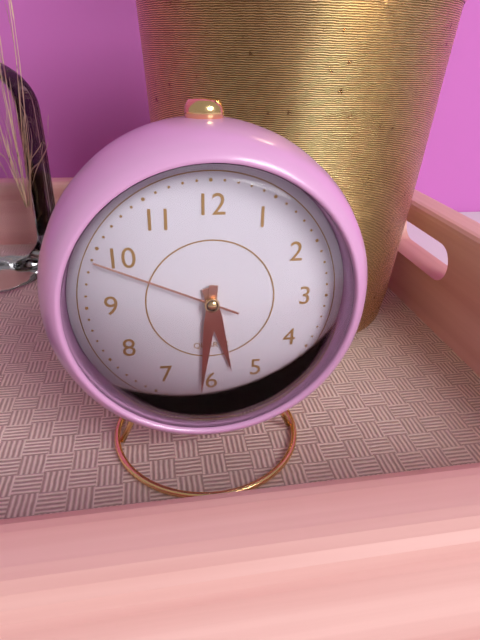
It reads 5,31,49
